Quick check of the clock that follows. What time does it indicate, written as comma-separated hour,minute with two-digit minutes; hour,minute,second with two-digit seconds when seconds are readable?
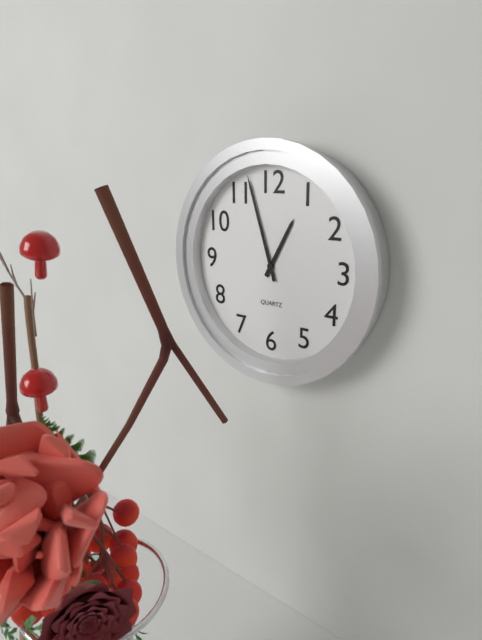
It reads 12,57
